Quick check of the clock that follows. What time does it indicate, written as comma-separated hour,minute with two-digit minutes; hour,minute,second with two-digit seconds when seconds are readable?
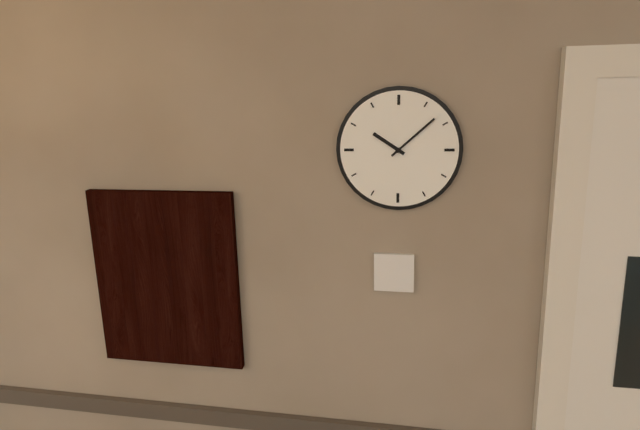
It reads 10,08
